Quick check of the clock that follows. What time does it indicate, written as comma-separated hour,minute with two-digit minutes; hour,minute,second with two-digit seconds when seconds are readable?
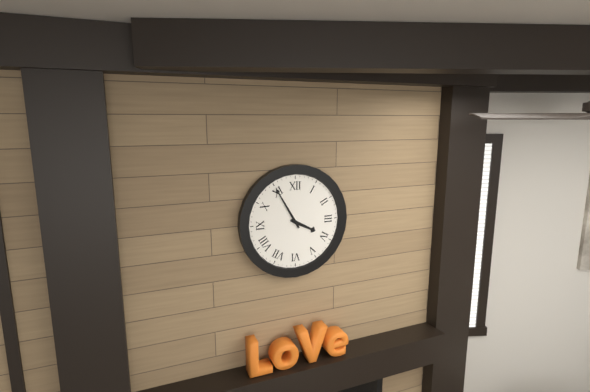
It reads 3,55
